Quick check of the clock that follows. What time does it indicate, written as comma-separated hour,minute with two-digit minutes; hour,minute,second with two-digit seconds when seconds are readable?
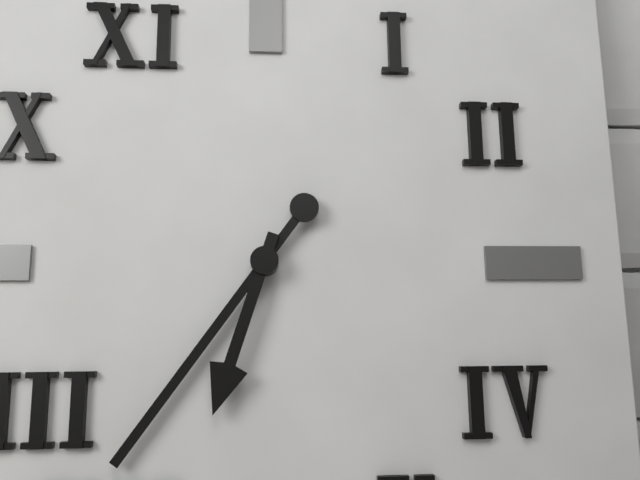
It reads 6,36
